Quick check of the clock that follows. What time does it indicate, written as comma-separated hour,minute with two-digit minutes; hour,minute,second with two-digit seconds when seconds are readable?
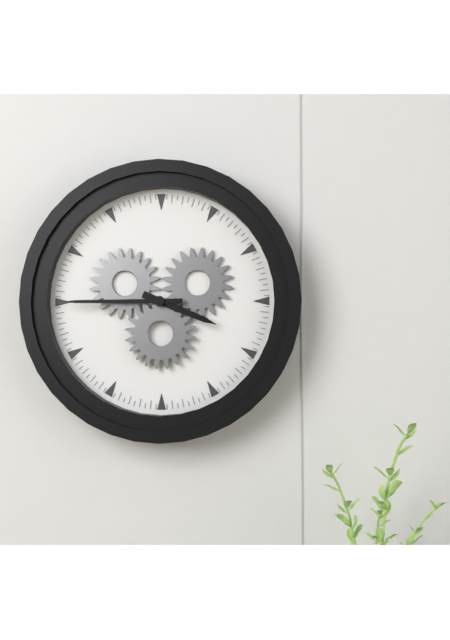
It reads 3,45
